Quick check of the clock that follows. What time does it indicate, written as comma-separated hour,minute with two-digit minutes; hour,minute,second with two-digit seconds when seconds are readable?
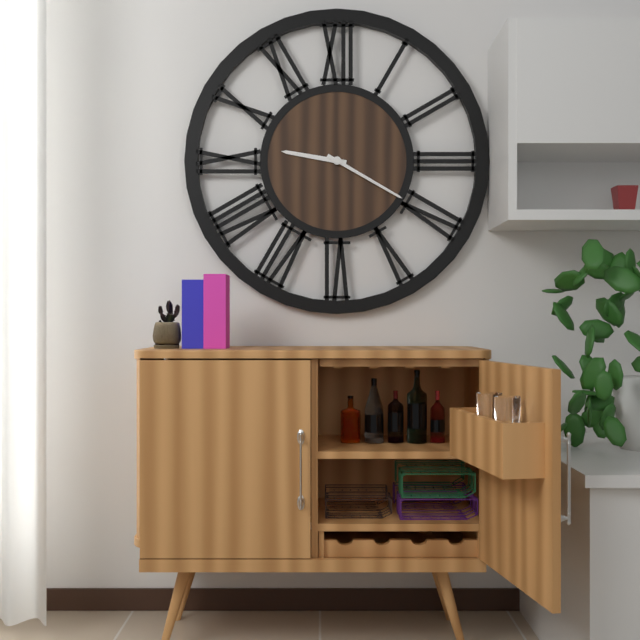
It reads 9,20
